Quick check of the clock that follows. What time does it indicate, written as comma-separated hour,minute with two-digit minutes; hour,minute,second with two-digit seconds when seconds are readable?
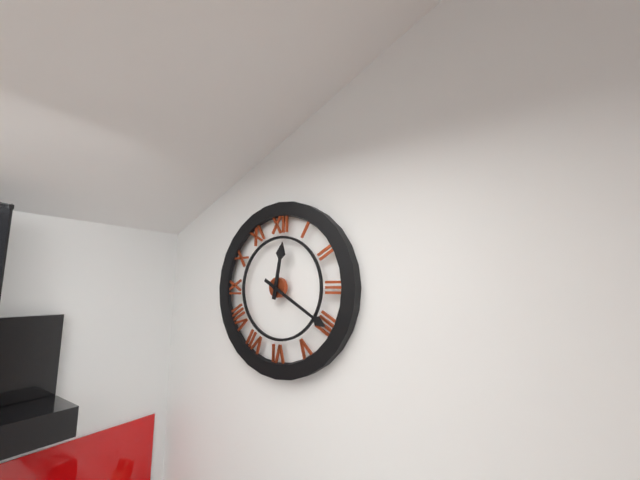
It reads 12,20
